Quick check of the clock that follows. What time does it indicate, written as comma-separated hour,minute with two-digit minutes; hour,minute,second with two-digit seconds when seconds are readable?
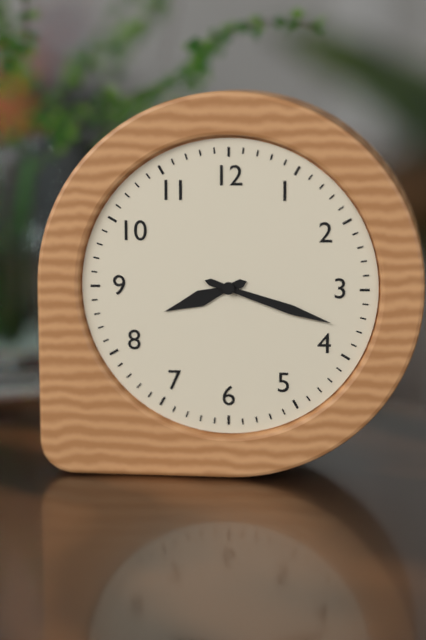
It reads 8,18
